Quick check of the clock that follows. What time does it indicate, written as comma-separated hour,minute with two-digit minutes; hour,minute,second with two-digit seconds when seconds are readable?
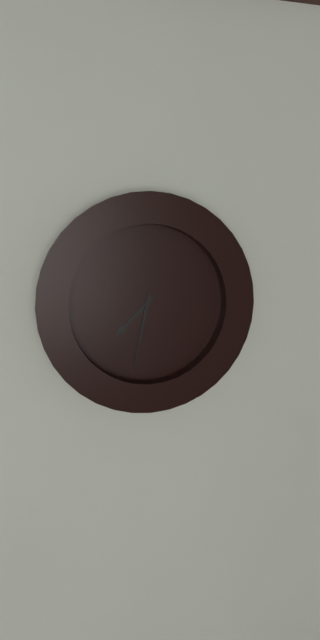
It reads 7,32
